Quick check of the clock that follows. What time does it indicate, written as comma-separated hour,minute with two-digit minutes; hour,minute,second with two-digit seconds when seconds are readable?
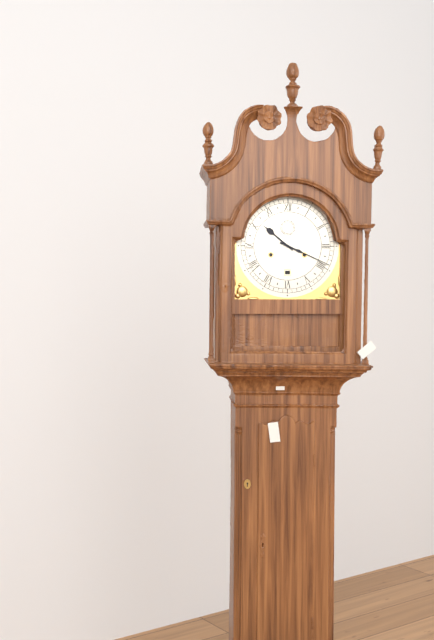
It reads 10,19
